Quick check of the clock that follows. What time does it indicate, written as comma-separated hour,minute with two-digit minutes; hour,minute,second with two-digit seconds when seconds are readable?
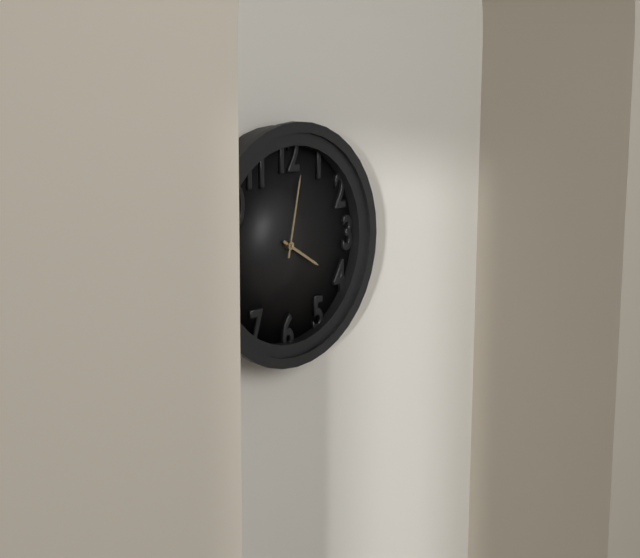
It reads 4,02
